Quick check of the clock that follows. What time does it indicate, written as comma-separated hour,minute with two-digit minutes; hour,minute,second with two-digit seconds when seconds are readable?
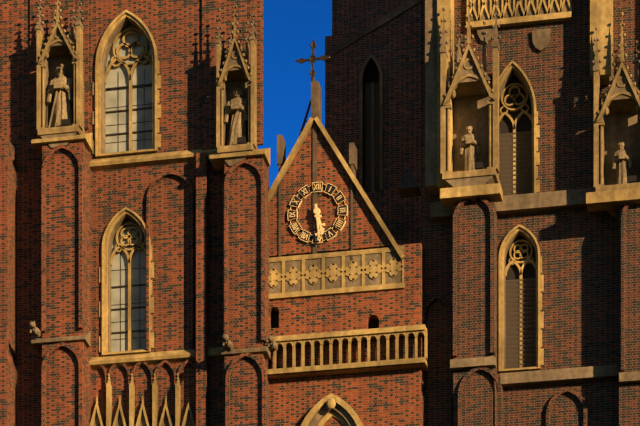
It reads 5,29
